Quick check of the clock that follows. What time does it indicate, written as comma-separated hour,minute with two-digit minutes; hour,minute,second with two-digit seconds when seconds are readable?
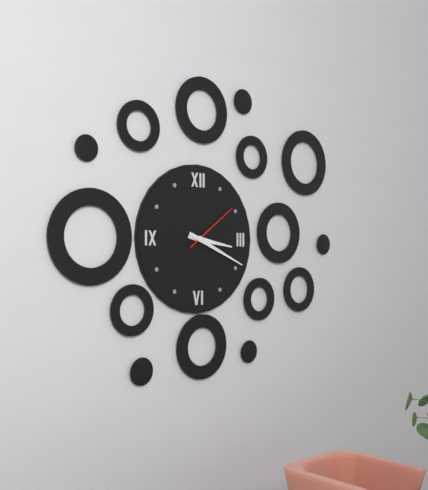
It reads 3,19,09
